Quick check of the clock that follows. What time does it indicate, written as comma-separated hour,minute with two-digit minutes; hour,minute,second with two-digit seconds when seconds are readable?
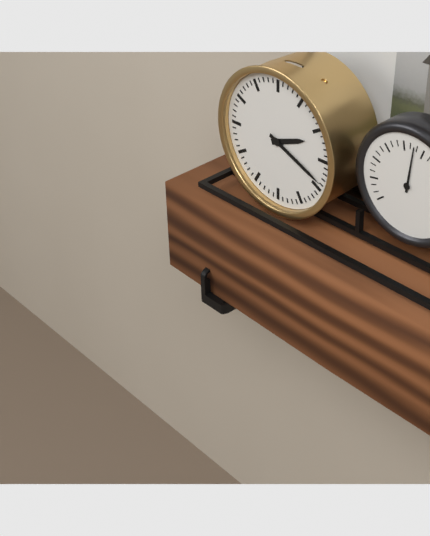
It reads 2,19
